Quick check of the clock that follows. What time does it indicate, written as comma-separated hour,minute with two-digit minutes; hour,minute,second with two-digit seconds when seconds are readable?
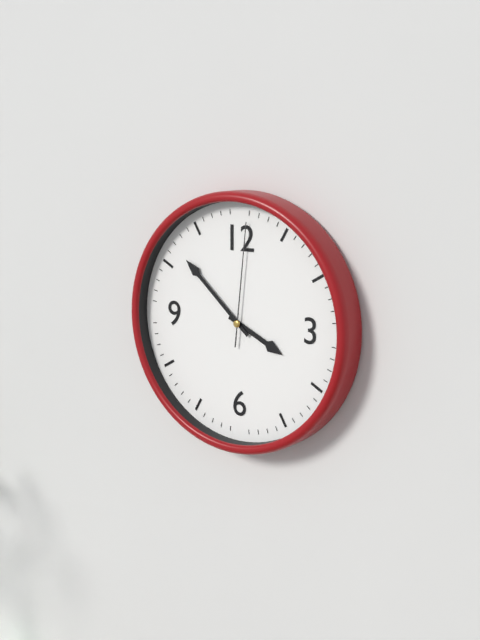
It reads 3,52,01
